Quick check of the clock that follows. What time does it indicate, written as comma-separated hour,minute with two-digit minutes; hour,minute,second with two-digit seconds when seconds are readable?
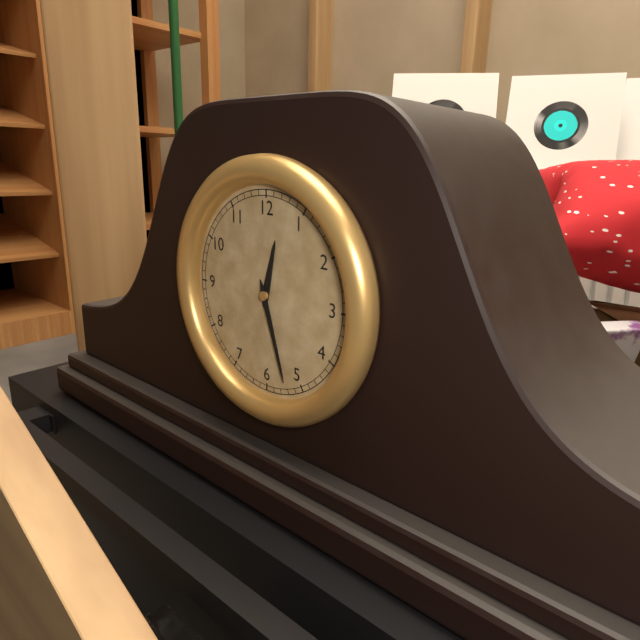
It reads 12,27
